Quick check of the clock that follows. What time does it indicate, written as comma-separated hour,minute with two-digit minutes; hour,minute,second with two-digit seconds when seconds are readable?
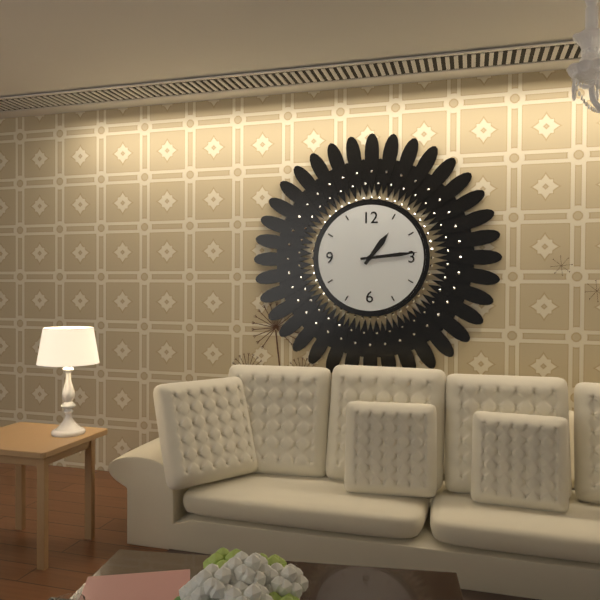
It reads 1,14
